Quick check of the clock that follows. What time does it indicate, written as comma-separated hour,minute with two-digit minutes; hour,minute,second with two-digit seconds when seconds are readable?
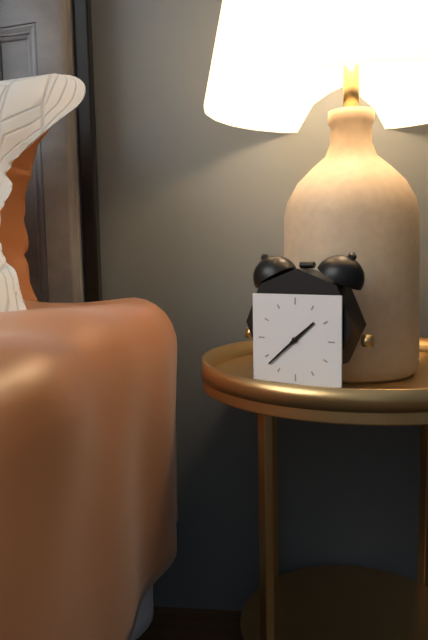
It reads 1,38
